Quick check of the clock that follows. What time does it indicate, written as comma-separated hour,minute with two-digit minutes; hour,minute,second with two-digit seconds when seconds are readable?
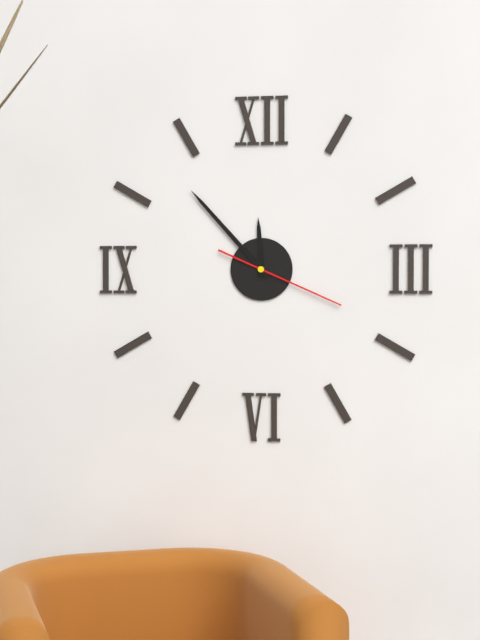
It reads 11,53,19
